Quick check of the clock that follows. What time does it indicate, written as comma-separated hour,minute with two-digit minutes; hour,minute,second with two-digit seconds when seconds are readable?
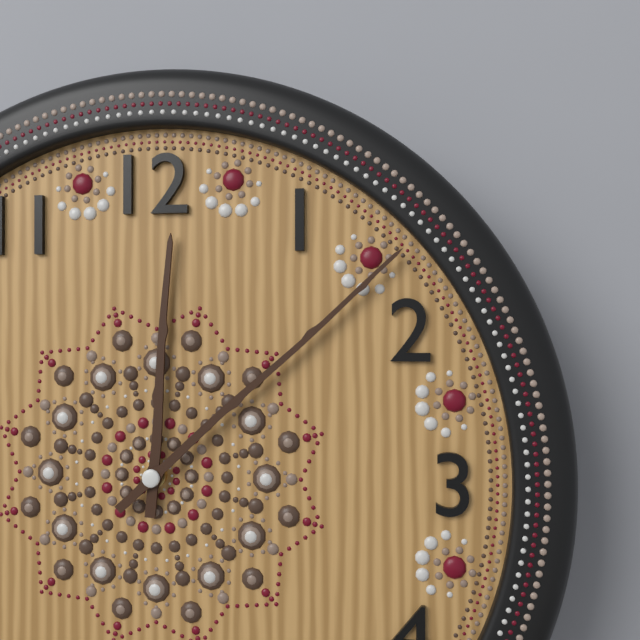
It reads 12,08
